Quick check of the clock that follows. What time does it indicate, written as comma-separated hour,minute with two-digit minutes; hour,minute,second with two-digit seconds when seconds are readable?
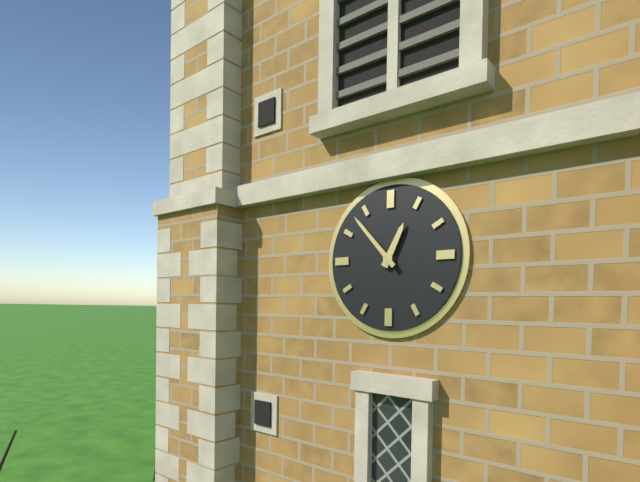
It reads 12,53
